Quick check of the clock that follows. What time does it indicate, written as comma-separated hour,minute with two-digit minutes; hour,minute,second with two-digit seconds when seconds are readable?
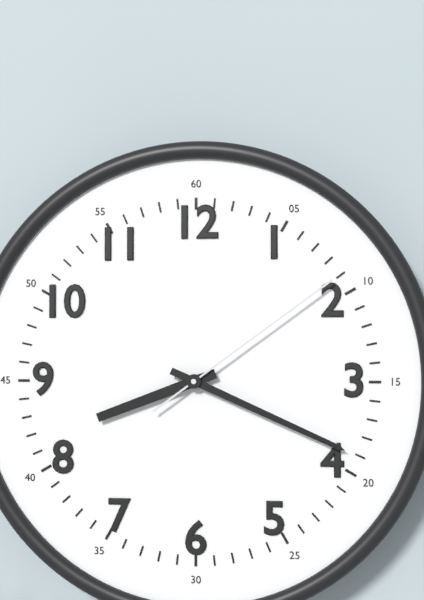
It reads 8,19,09
